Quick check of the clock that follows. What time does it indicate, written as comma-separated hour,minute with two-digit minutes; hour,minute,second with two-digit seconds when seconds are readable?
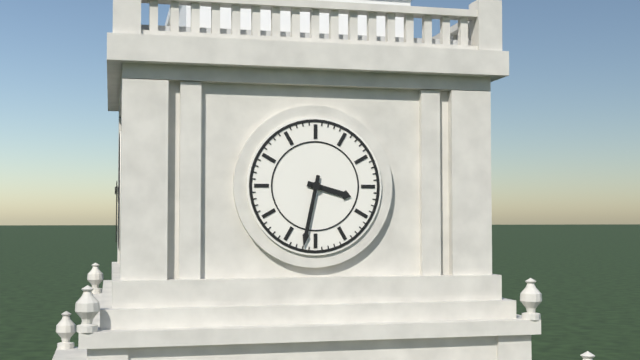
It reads 3,32
